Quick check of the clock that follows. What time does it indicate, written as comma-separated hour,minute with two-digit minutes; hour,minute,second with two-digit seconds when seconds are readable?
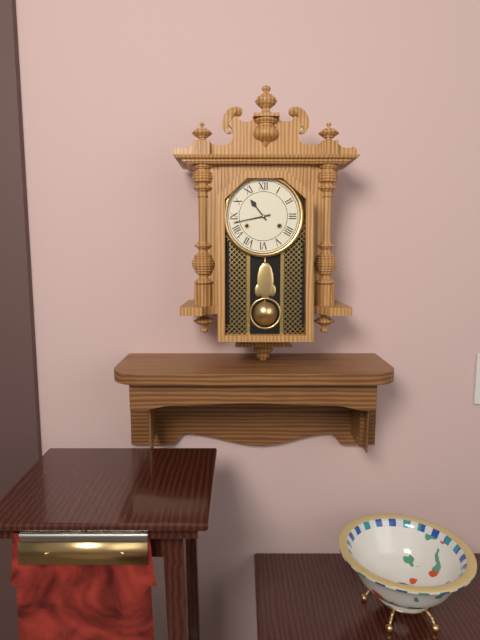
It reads 10,43
